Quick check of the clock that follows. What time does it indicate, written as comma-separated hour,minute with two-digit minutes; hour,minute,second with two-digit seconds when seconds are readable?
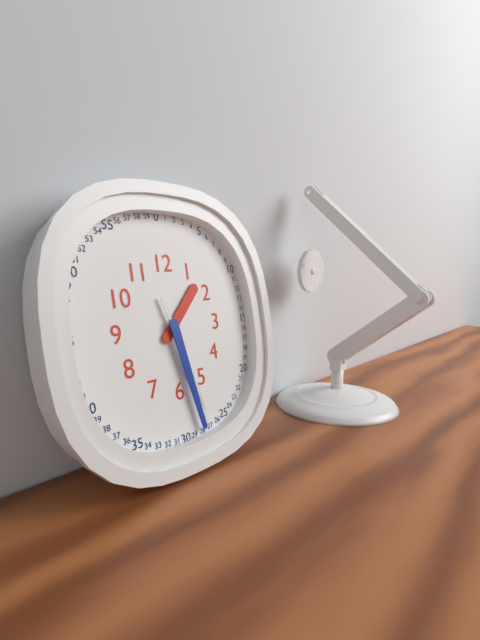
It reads 1,28,27
